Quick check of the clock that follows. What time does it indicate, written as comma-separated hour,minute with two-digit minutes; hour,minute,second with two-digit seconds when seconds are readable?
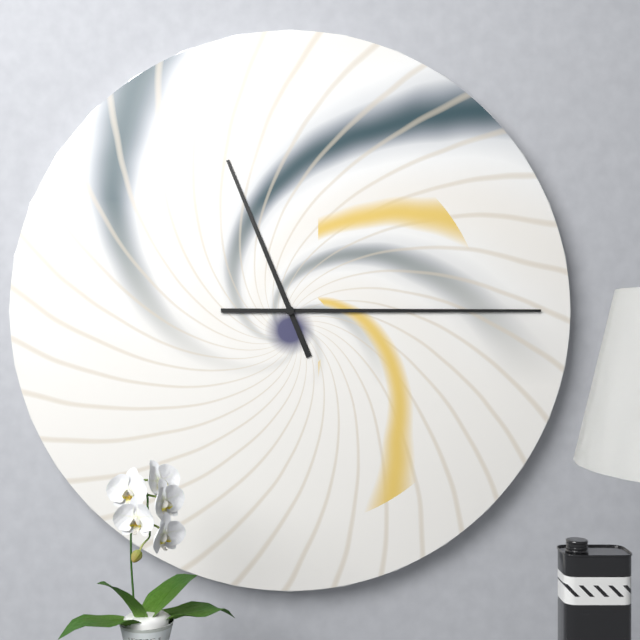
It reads 11,15
